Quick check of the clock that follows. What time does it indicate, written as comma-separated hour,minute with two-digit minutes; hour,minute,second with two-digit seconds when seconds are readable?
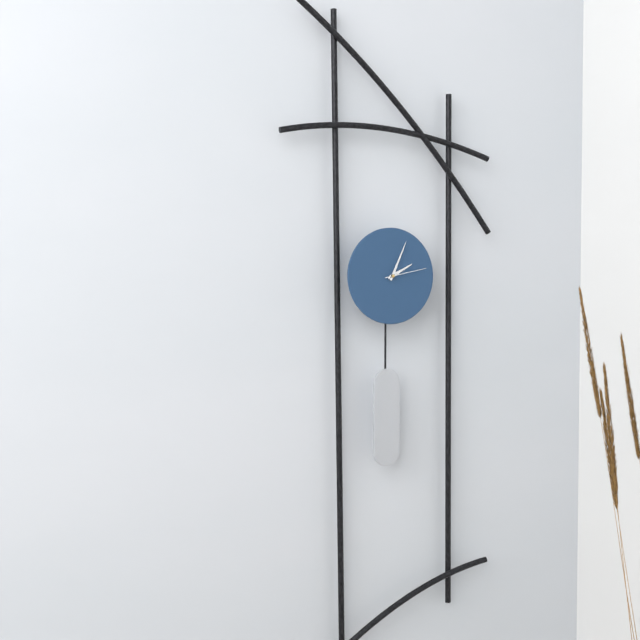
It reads 2,04
